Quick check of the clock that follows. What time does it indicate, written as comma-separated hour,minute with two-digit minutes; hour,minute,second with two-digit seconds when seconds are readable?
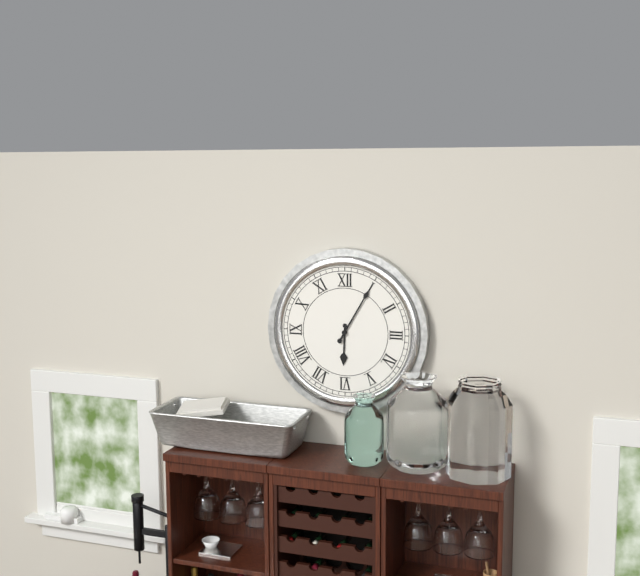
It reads 6,05
